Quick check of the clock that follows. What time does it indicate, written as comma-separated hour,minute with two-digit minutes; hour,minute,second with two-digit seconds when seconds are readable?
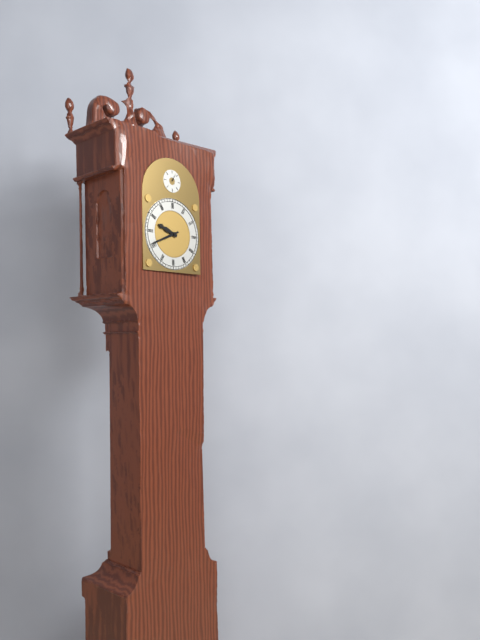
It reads 9,41
